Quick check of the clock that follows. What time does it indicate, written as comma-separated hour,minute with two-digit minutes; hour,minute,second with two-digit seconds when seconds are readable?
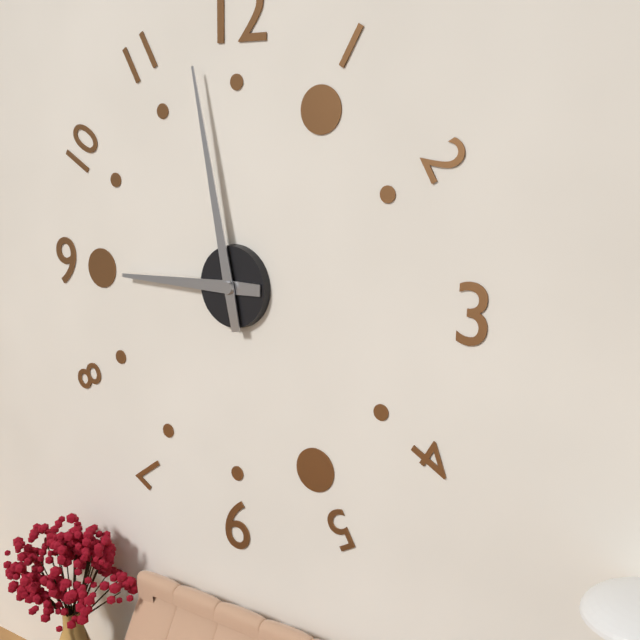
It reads 8,58
